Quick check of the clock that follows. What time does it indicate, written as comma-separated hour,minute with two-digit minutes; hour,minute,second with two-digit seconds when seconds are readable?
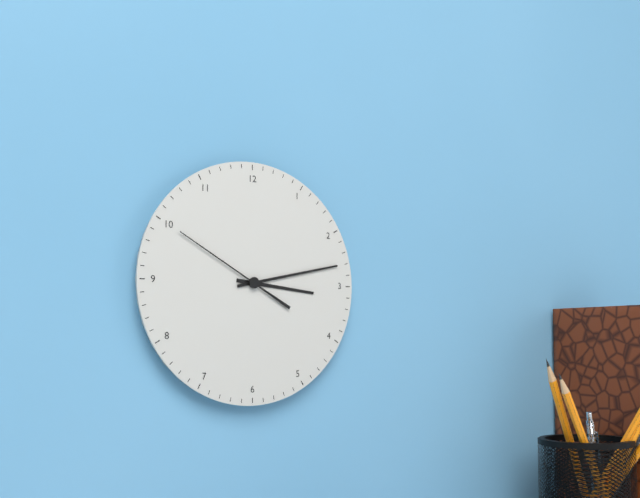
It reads 3,13,50
